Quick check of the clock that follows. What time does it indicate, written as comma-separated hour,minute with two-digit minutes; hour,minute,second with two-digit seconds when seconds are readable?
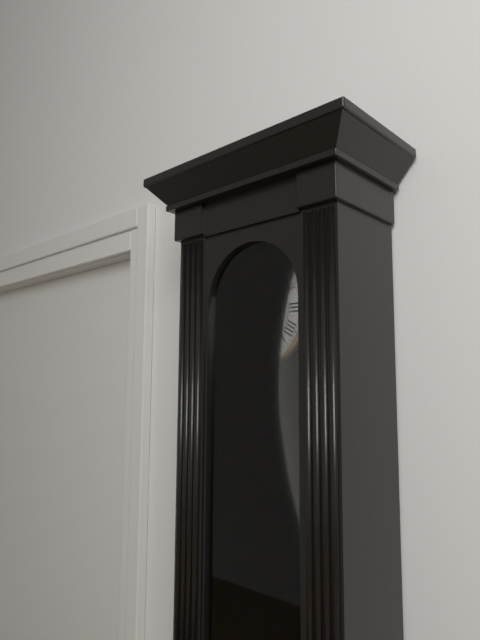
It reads 6,23
